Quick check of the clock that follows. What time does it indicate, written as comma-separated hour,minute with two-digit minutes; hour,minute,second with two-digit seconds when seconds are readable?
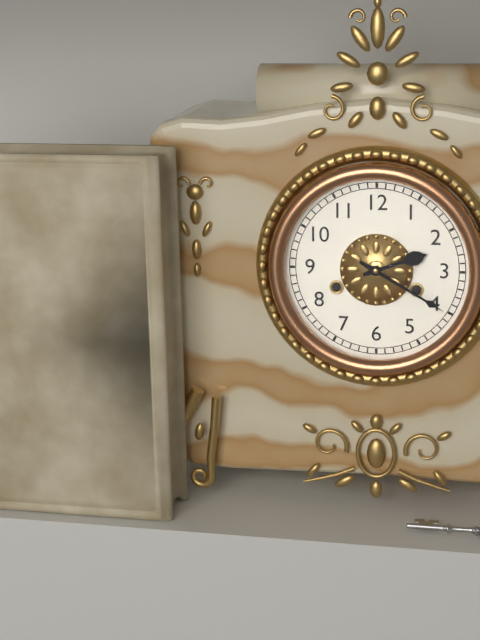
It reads 2,20
